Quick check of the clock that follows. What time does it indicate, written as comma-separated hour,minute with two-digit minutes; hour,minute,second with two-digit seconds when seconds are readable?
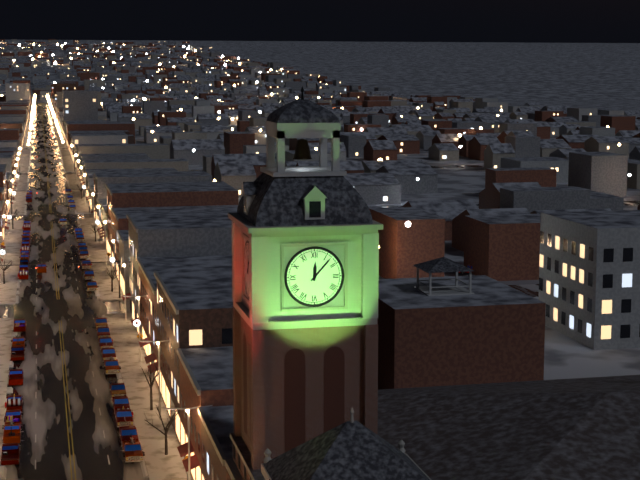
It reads 12,07
